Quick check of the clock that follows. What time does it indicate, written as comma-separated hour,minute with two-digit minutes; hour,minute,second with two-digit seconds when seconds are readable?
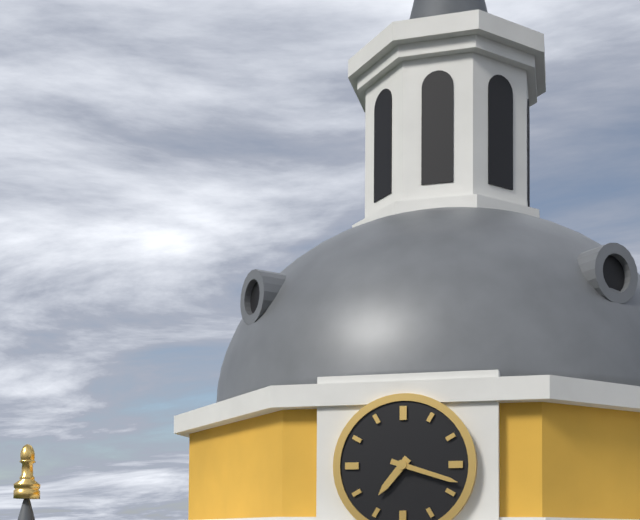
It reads 7,18
